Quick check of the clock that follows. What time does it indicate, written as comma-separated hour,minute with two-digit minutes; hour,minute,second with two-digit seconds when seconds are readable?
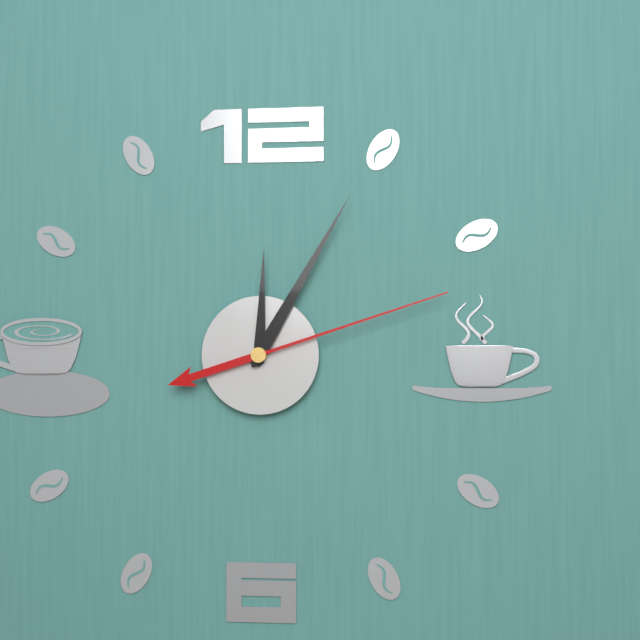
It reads 12,05,12
